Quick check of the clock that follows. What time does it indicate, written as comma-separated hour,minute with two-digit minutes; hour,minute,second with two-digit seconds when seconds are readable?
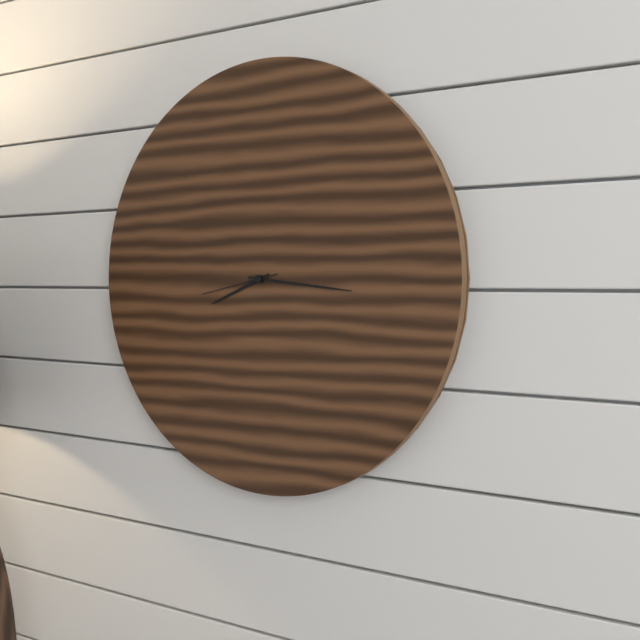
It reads 8,16,43
